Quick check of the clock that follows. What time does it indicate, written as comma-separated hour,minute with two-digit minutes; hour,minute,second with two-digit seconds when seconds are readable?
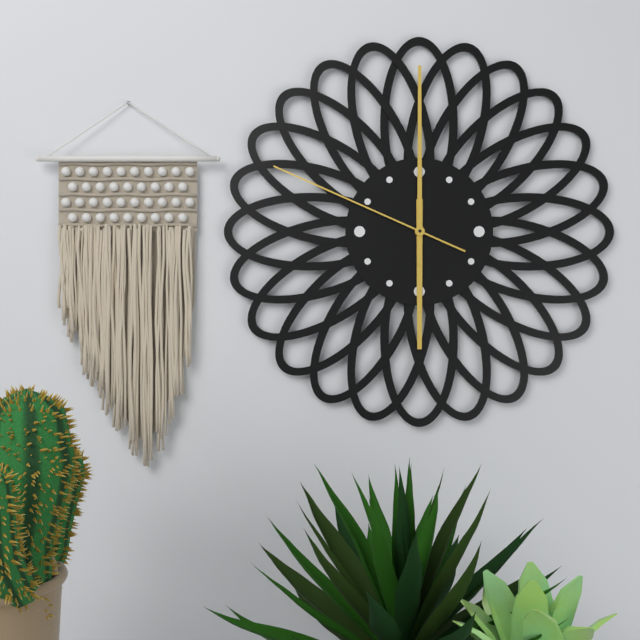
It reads 6,00,49
